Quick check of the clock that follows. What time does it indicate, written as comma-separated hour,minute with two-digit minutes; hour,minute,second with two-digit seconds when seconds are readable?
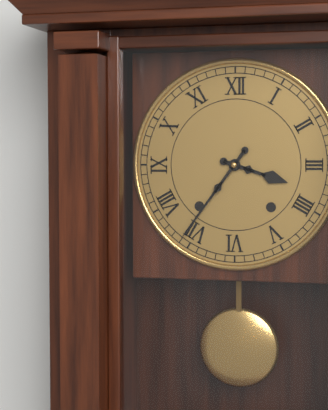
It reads 3,36
